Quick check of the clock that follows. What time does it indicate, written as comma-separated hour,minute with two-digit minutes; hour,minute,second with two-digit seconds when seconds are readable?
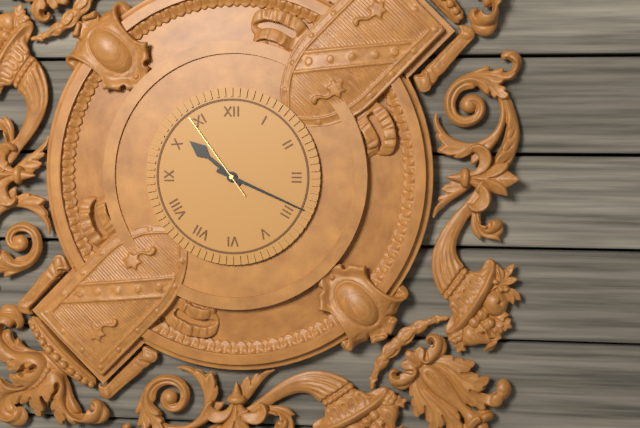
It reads 10,19,54
